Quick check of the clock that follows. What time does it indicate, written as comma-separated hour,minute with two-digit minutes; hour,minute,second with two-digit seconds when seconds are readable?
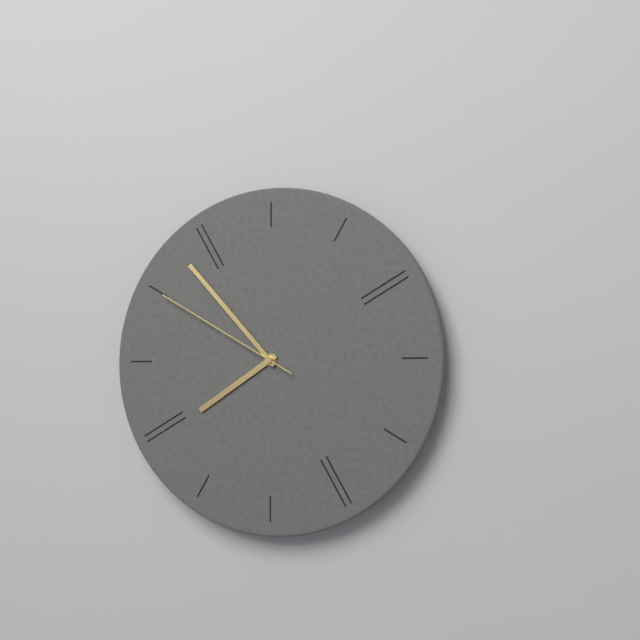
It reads 7,53,50
